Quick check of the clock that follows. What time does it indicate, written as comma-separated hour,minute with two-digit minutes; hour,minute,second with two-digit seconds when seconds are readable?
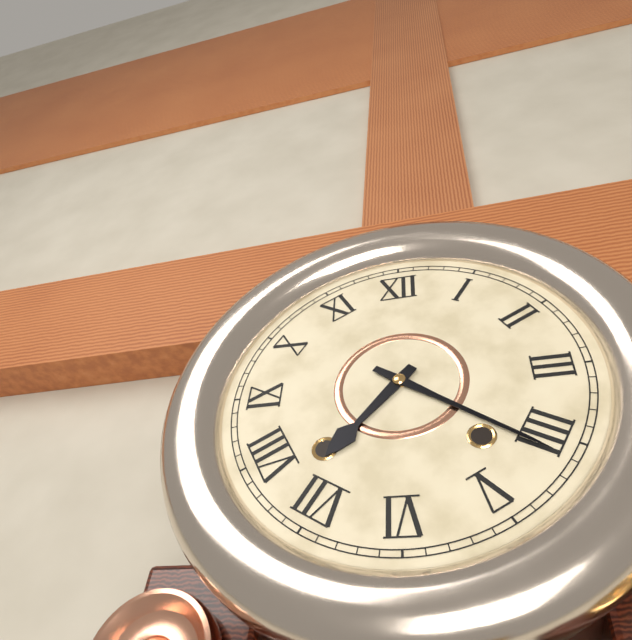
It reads 7,21
